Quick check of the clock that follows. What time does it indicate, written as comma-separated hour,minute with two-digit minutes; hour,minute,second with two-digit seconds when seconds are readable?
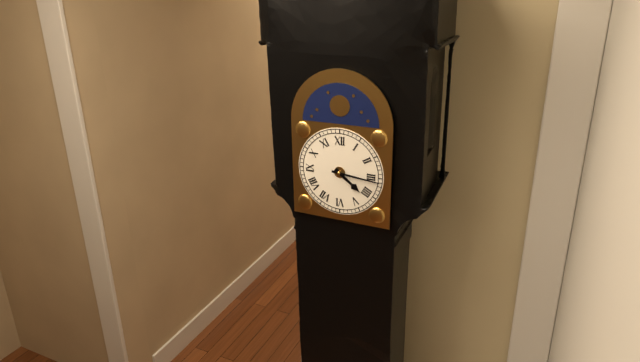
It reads 4,16
